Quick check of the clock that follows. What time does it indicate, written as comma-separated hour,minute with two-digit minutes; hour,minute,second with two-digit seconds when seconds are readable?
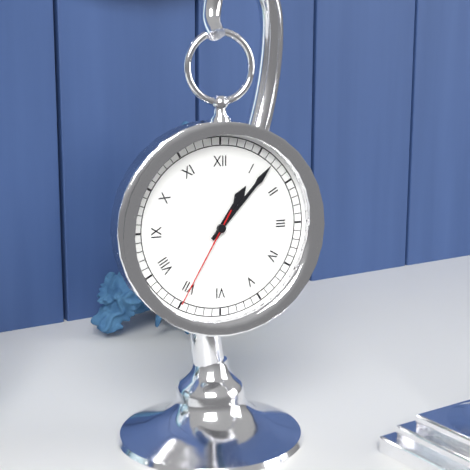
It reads 1,07,35
